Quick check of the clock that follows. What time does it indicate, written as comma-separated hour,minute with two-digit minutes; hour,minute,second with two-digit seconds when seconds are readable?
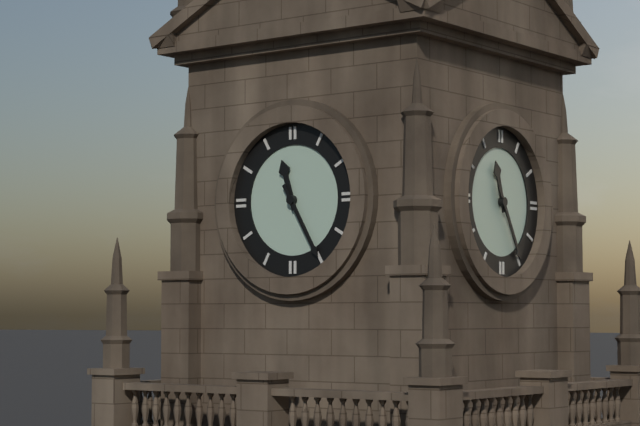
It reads 11,25
